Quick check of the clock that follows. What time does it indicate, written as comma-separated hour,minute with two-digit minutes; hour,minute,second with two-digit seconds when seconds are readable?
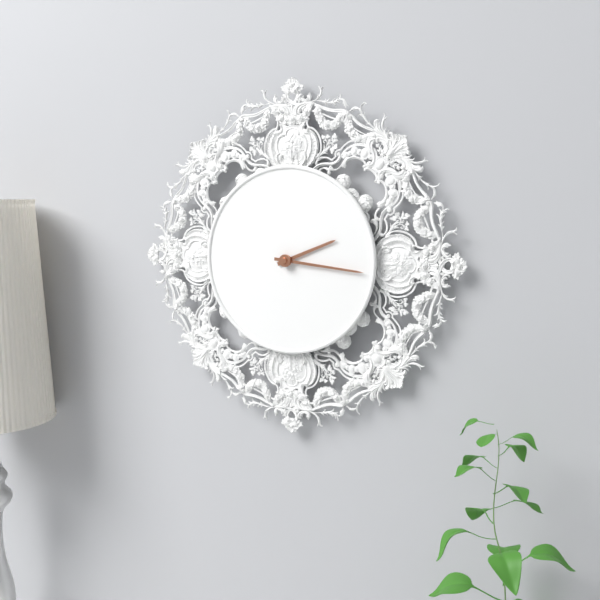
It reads 2,16
